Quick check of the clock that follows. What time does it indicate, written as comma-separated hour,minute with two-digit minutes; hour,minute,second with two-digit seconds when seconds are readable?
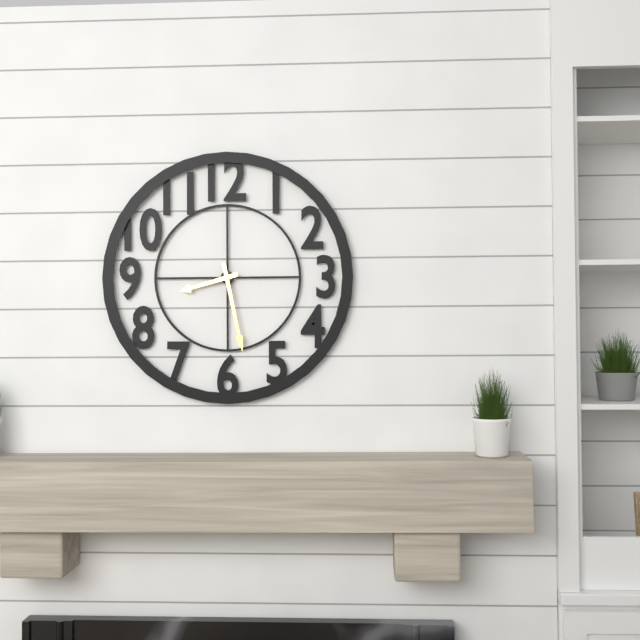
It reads 8,28
